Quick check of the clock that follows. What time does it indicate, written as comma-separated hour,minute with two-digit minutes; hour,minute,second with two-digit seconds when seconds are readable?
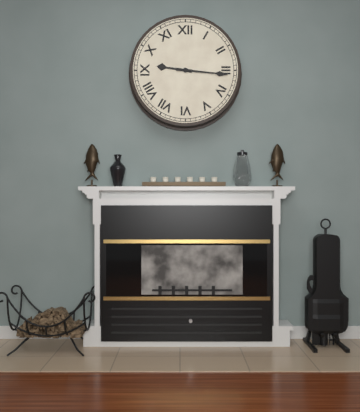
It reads 9,16
